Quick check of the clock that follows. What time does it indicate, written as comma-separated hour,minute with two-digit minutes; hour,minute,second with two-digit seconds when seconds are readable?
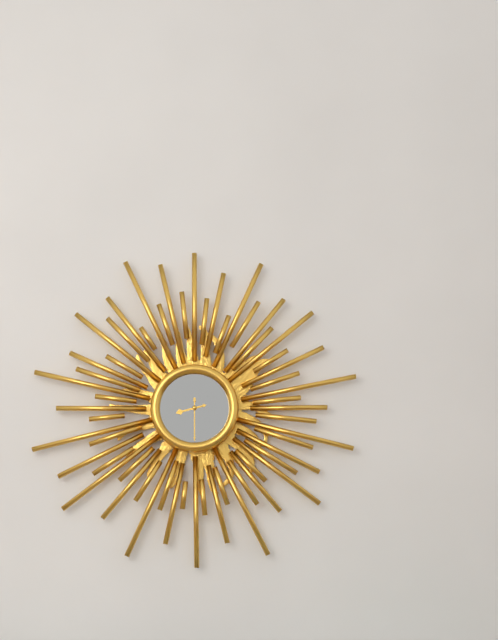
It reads 8,30
